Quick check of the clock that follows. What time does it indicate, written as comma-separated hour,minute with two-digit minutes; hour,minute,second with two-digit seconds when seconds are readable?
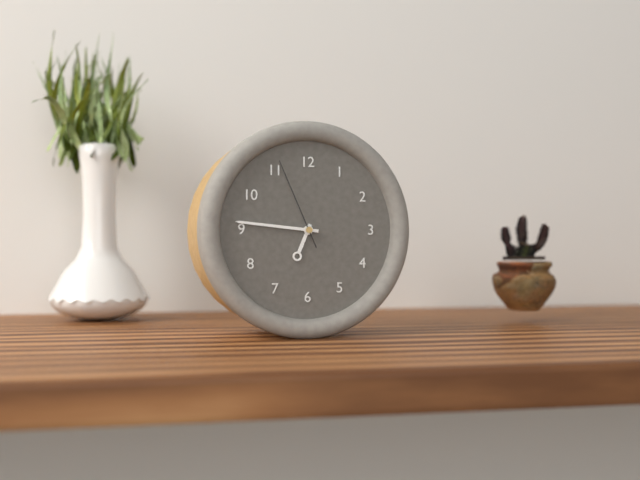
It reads 6,46,56
